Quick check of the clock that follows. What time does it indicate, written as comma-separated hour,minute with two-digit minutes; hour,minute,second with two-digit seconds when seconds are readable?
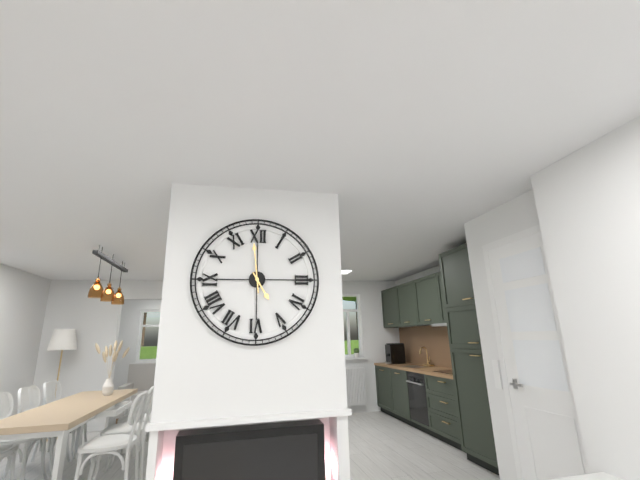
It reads 4,59
